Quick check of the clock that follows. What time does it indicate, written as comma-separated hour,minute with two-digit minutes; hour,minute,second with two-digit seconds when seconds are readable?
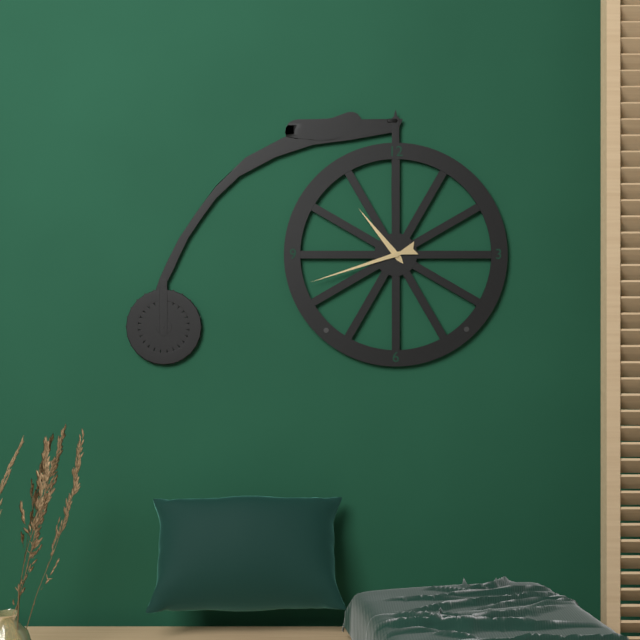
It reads 10,42
